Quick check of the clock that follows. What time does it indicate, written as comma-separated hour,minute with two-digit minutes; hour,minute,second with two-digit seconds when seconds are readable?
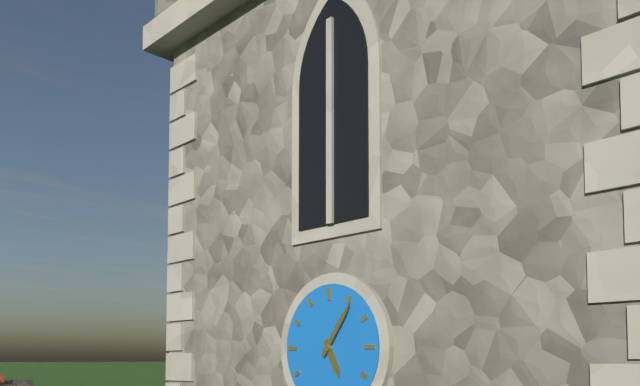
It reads 5,06
